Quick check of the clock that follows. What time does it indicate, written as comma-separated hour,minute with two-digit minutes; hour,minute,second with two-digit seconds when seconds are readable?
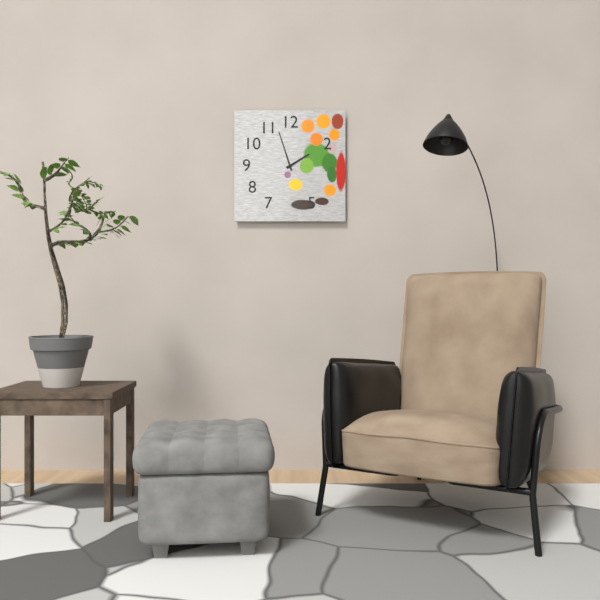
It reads 1,57
